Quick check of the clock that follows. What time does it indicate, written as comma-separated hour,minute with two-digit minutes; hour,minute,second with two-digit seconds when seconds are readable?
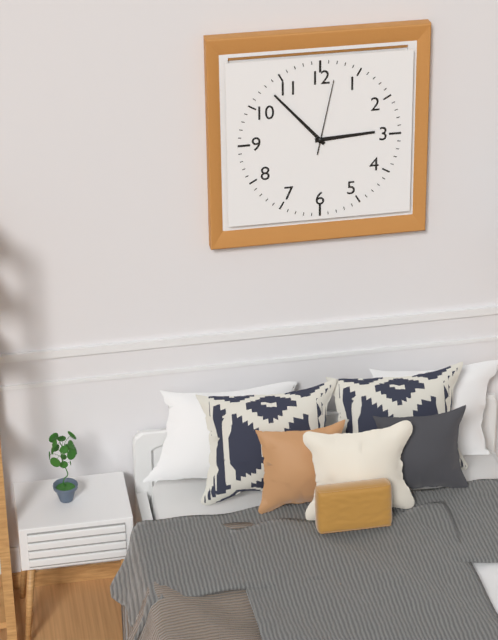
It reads 2,53,02
